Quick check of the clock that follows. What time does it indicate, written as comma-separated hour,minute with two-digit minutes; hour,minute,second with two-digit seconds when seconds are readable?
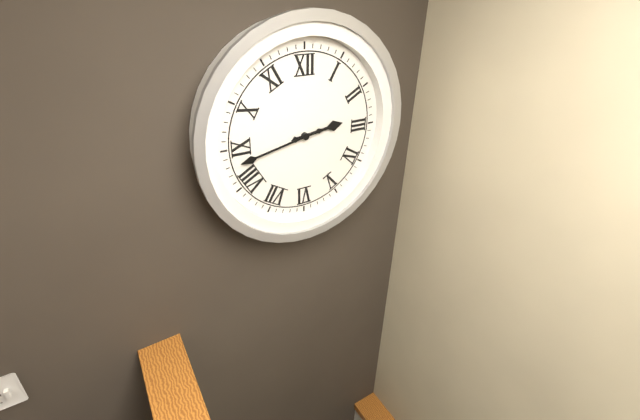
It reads 2,43
